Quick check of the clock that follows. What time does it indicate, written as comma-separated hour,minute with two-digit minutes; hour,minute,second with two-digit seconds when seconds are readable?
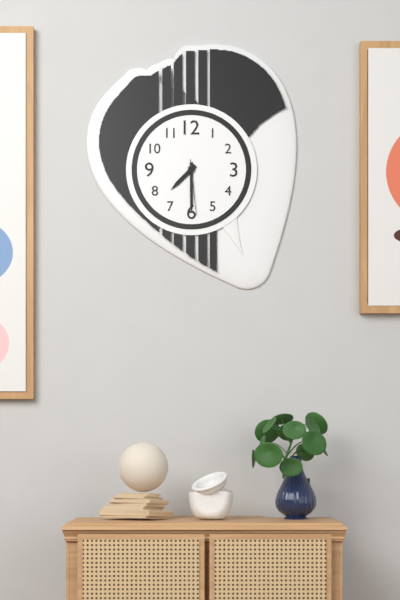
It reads 7,30,29
